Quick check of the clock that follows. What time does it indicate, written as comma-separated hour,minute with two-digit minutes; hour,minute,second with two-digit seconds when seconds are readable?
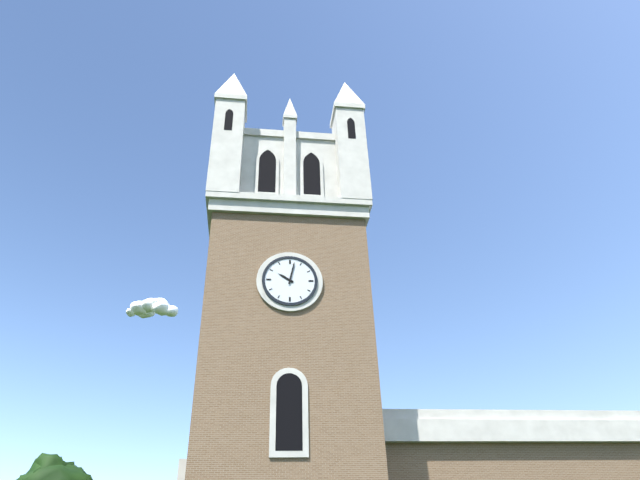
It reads 10,02
